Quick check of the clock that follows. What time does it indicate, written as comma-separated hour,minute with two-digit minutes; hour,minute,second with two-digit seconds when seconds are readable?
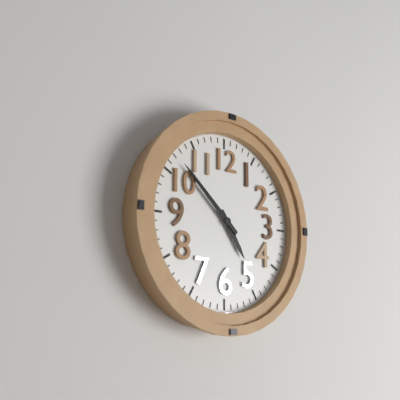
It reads 4,52
